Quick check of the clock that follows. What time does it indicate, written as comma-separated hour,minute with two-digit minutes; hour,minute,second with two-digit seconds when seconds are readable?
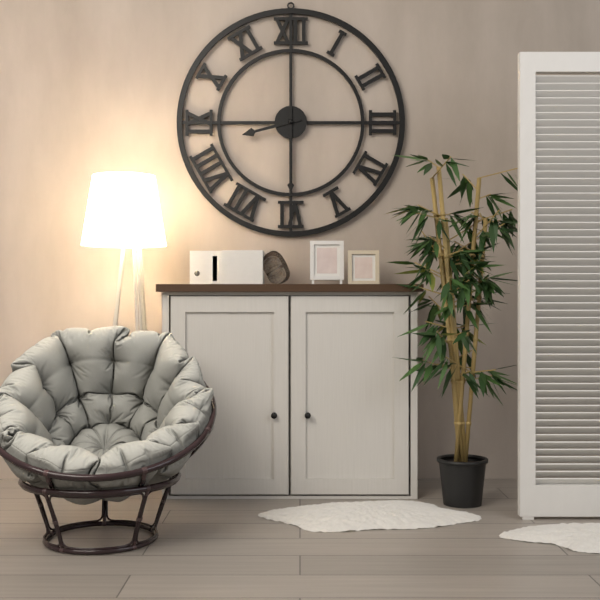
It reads 8,30
